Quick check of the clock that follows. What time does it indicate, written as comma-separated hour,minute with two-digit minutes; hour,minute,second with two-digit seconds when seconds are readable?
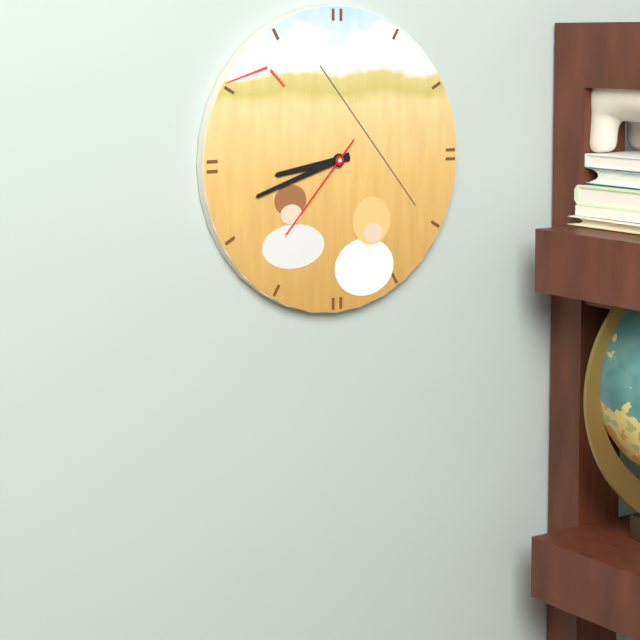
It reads 8,42,37
